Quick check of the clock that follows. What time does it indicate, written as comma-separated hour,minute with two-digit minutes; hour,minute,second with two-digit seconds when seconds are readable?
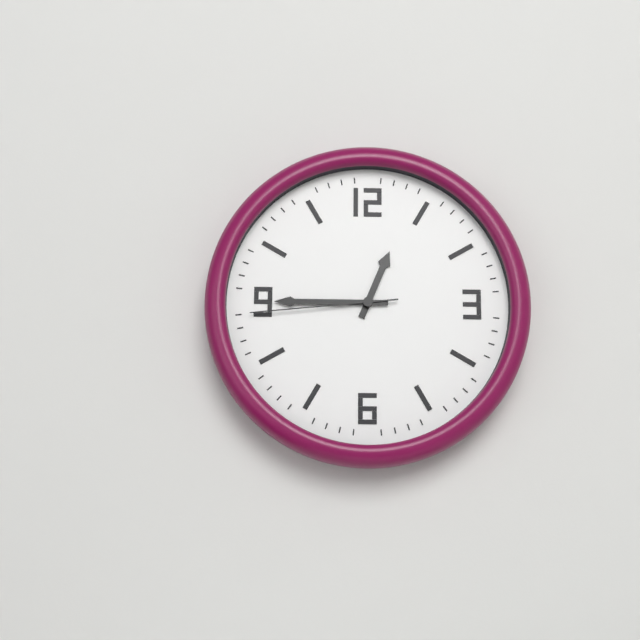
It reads 12,45,44
